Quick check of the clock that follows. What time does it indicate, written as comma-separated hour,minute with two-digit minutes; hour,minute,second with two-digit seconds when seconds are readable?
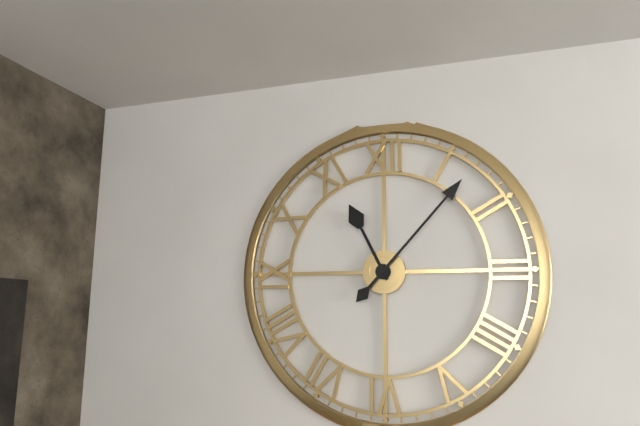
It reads 11,07
